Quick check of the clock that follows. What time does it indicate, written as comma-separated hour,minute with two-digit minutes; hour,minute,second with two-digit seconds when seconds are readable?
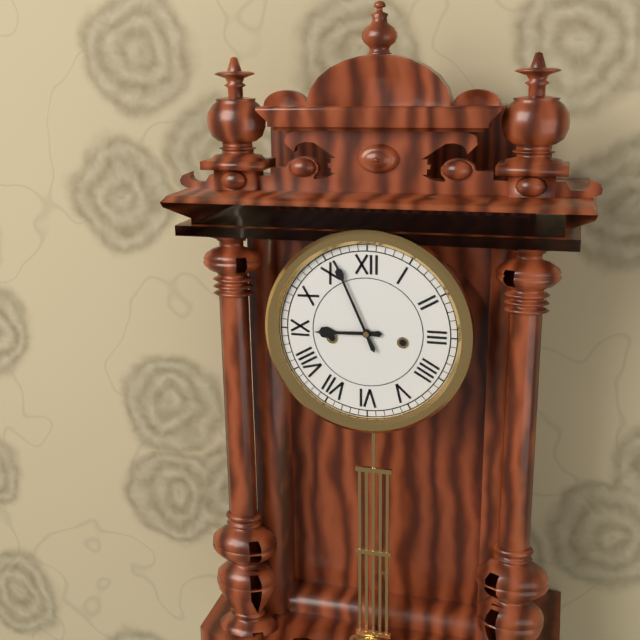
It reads 8,56
